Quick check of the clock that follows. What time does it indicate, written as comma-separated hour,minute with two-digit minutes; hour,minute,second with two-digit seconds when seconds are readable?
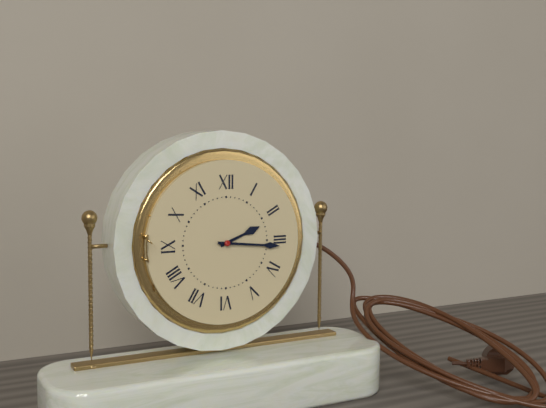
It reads 2,16
